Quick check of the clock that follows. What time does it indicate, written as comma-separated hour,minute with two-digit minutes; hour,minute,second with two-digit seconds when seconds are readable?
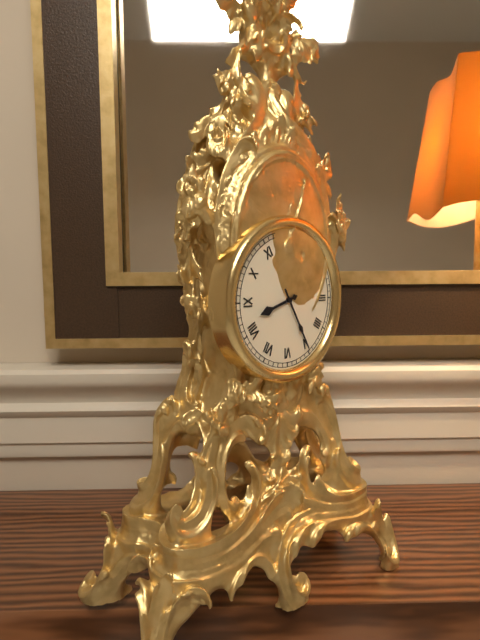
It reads 8,25
